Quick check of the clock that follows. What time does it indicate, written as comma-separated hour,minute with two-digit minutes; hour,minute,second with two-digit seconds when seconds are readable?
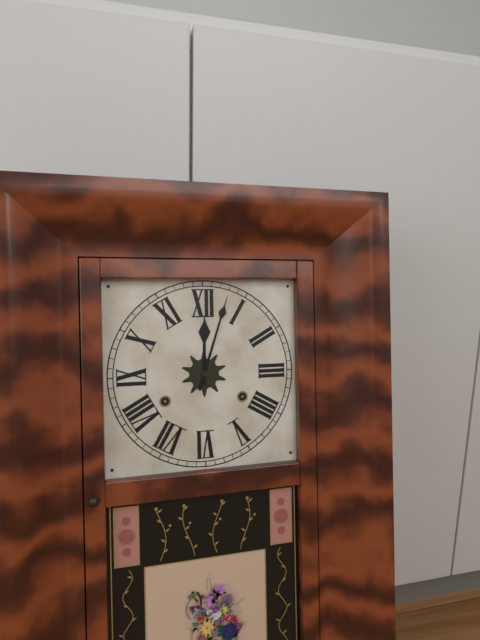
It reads 12,03
